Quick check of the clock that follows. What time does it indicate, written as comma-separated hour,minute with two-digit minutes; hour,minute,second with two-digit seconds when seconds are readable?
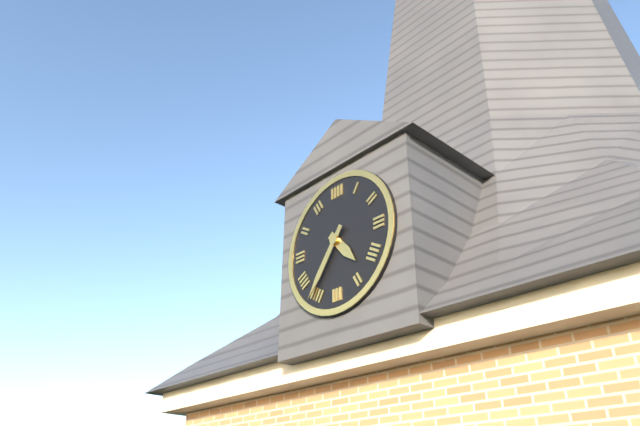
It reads 4,36
